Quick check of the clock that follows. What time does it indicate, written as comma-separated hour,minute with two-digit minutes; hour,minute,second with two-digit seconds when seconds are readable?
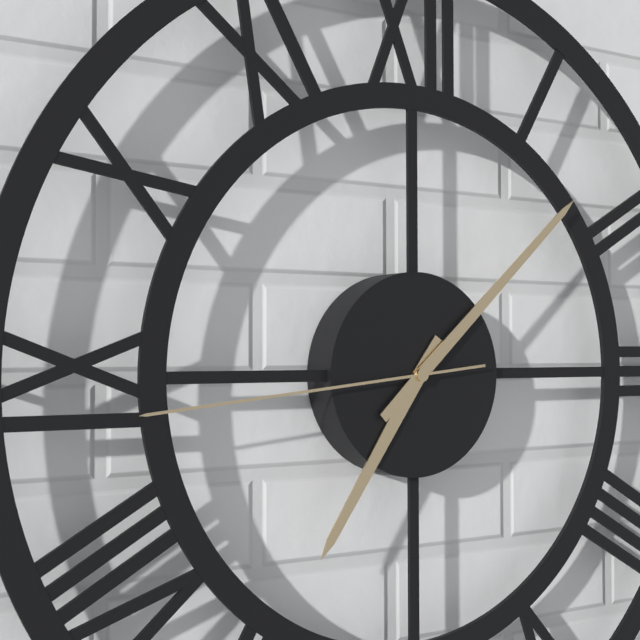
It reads 7,08,44
